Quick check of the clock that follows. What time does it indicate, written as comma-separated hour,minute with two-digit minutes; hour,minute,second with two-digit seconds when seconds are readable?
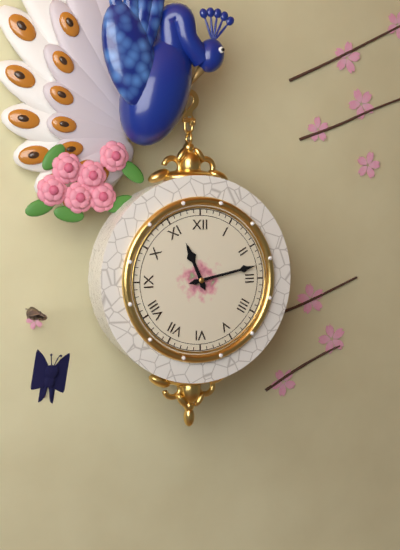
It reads 11,13
